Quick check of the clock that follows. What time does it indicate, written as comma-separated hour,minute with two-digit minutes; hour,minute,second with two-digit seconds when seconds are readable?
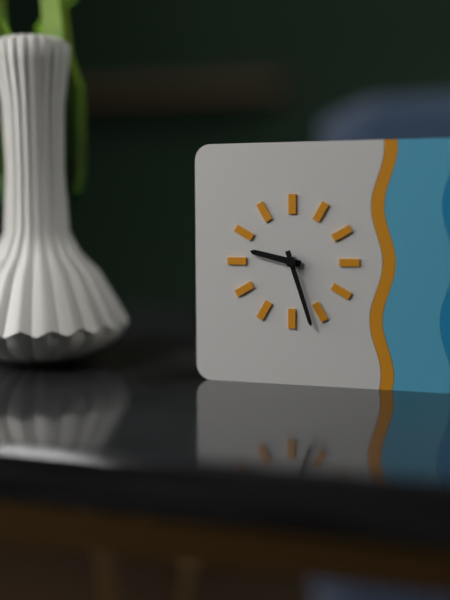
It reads 9,27
